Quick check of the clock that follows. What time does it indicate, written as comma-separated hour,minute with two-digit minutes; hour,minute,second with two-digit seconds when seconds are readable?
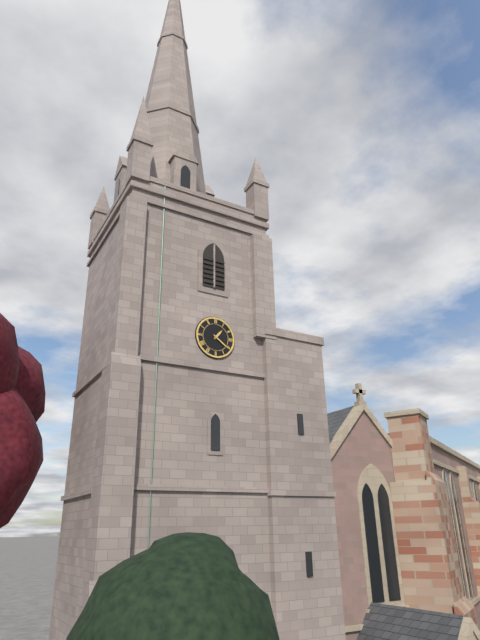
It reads 1,21
